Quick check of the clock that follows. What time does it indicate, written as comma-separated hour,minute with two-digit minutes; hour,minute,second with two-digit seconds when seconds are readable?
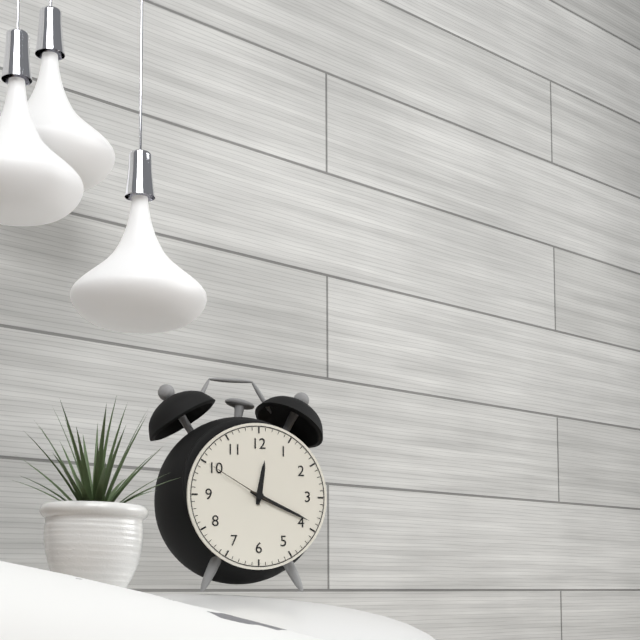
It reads 12,19,50
